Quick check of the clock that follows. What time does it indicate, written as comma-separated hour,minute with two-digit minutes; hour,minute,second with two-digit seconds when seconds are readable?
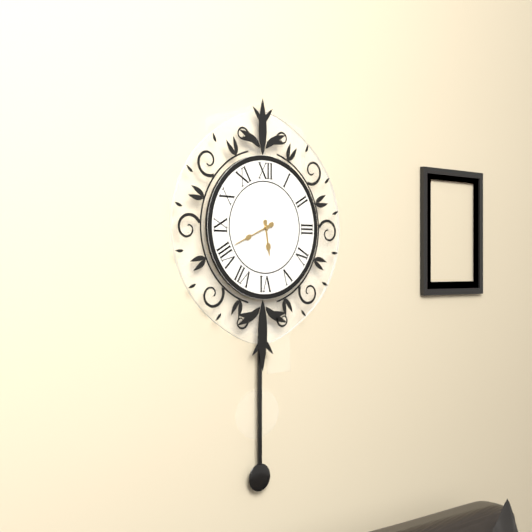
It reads 5,41
